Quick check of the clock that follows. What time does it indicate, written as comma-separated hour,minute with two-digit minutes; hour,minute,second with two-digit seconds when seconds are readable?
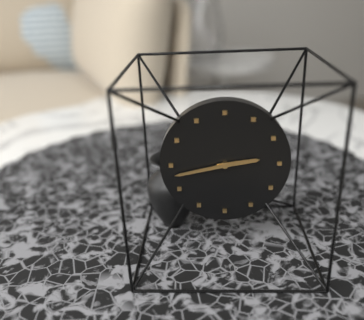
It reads 2,43
